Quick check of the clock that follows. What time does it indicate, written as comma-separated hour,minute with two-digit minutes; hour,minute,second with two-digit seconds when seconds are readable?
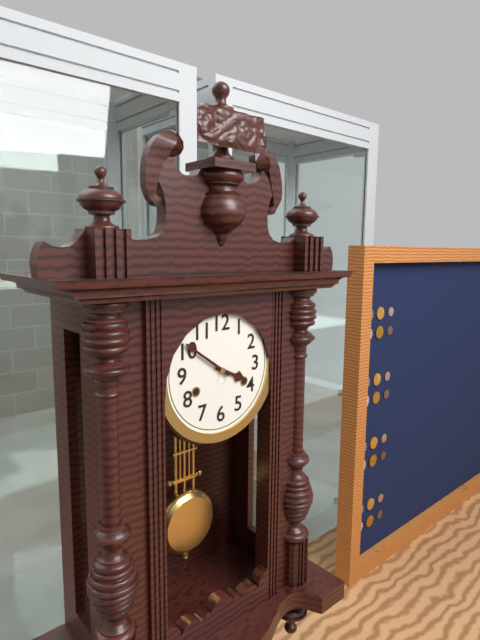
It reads 3,51
